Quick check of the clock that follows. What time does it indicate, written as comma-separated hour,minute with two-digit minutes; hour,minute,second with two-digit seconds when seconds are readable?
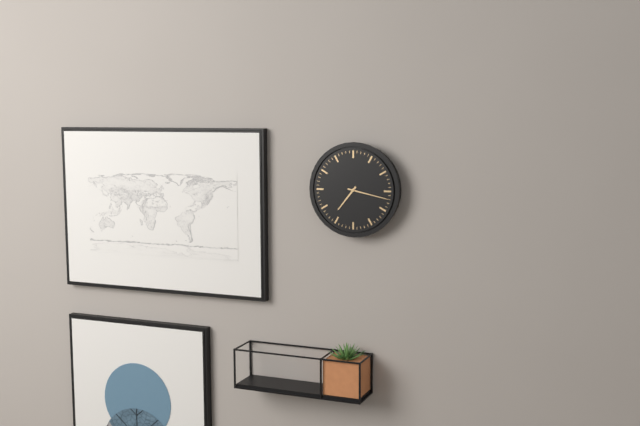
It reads 7,17
